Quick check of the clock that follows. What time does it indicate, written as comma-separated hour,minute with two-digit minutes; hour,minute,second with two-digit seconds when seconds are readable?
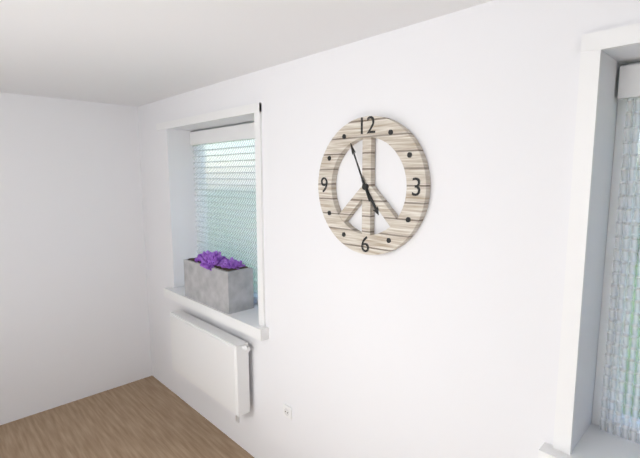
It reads 4,56
